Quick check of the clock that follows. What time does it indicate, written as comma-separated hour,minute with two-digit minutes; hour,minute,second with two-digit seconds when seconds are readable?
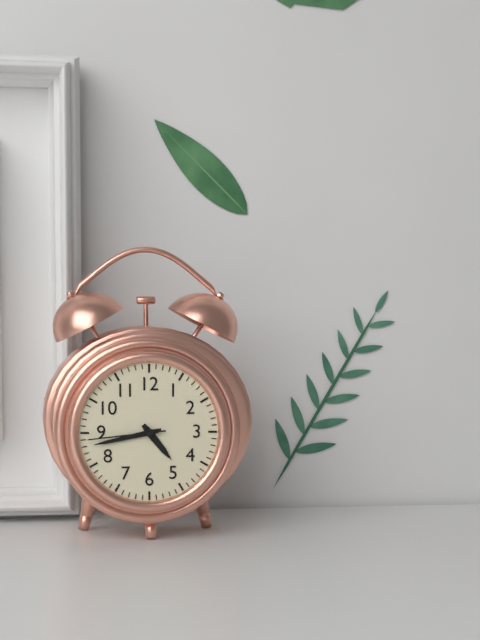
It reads 4,43,44
